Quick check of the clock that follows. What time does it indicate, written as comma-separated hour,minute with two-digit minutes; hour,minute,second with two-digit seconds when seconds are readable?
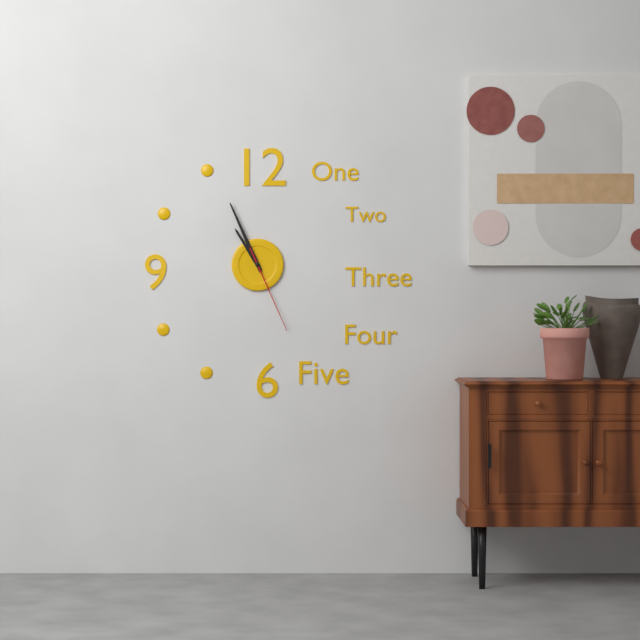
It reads 10,56,26
